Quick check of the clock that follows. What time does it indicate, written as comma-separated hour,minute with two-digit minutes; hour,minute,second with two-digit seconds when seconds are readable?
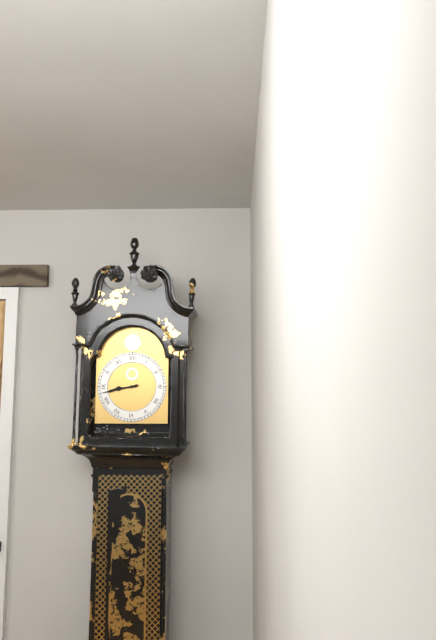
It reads 8,43
